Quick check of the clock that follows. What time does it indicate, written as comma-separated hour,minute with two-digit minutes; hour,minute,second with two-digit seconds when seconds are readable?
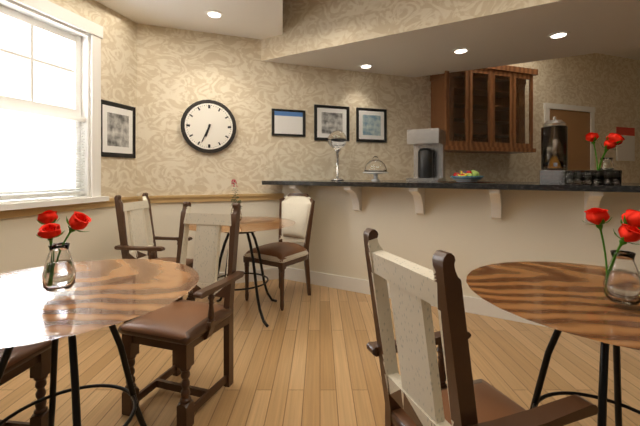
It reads 6,34
